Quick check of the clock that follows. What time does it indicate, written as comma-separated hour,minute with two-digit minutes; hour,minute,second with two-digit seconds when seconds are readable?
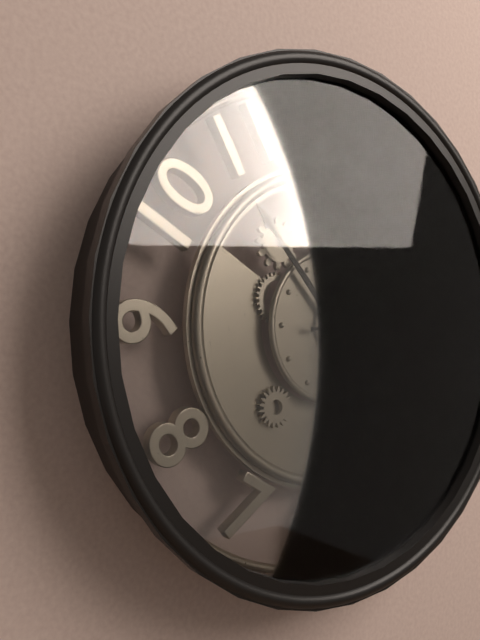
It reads 5,53,14
